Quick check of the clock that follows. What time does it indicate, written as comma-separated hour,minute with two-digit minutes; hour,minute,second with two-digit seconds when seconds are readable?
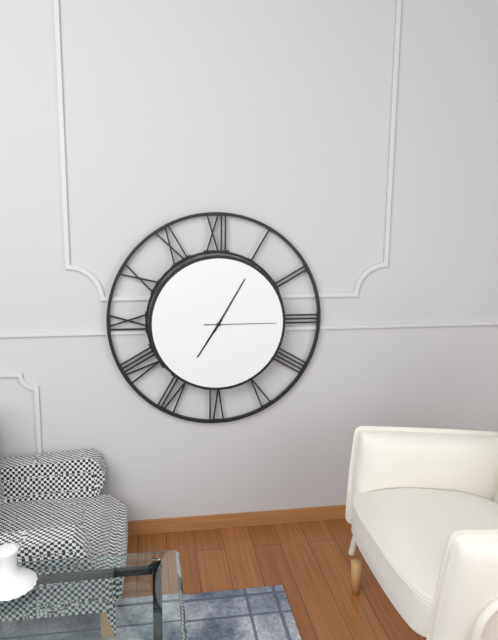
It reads 7,05,15
